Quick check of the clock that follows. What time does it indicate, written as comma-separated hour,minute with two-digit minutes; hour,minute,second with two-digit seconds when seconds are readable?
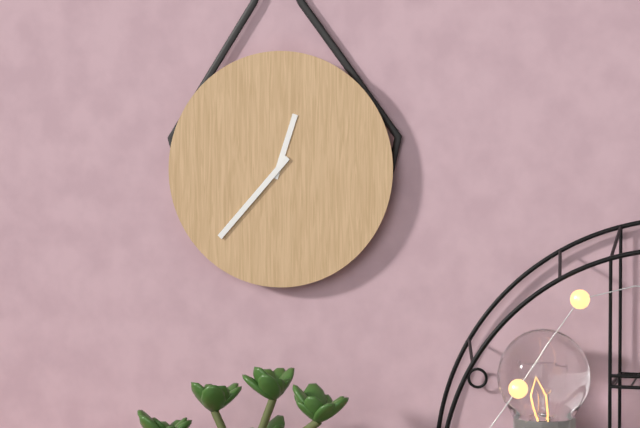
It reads 12,37
